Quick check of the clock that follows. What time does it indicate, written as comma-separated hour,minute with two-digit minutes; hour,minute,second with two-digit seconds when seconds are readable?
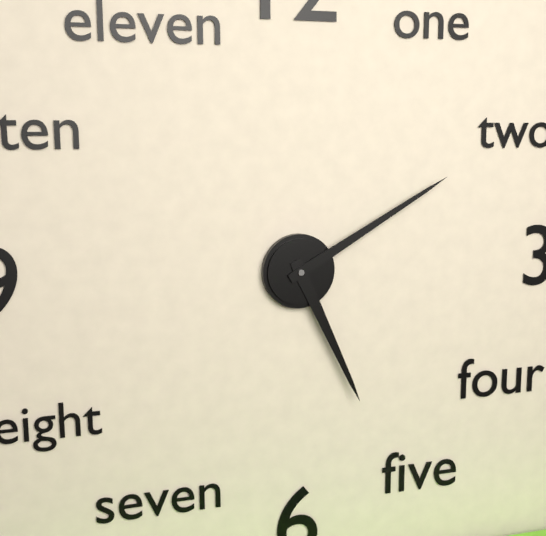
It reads 5,10
